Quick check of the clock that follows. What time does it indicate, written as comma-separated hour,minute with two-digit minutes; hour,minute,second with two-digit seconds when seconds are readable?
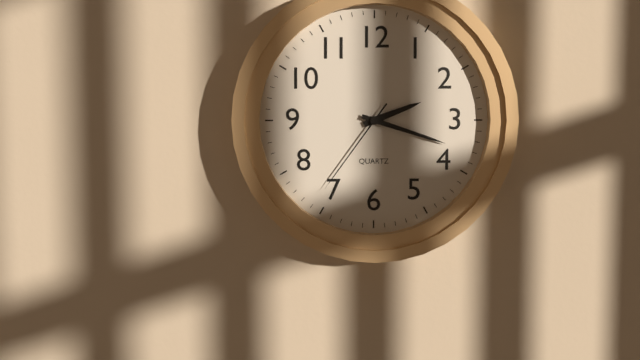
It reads 2,18,36
